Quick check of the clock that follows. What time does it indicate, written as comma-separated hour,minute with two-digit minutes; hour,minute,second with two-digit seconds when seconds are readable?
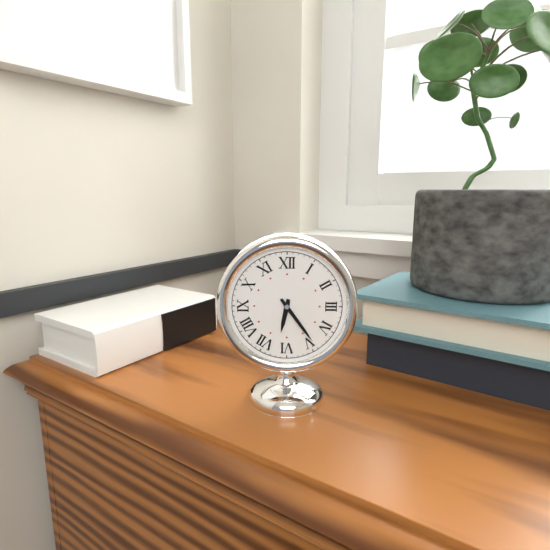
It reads 6,24
